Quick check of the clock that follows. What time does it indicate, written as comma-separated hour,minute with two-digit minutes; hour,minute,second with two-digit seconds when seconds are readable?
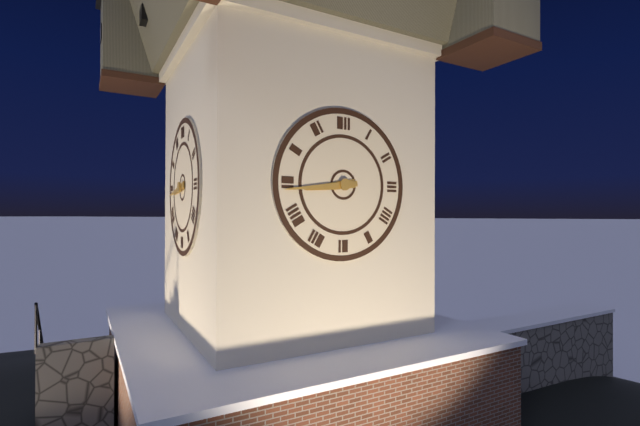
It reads 8,44
